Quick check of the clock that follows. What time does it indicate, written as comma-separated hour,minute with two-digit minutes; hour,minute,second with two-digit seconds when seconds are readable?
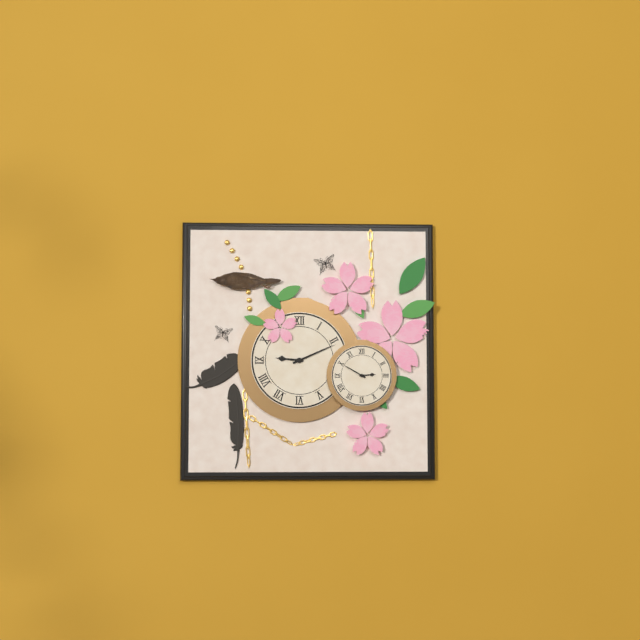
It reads 9,11
